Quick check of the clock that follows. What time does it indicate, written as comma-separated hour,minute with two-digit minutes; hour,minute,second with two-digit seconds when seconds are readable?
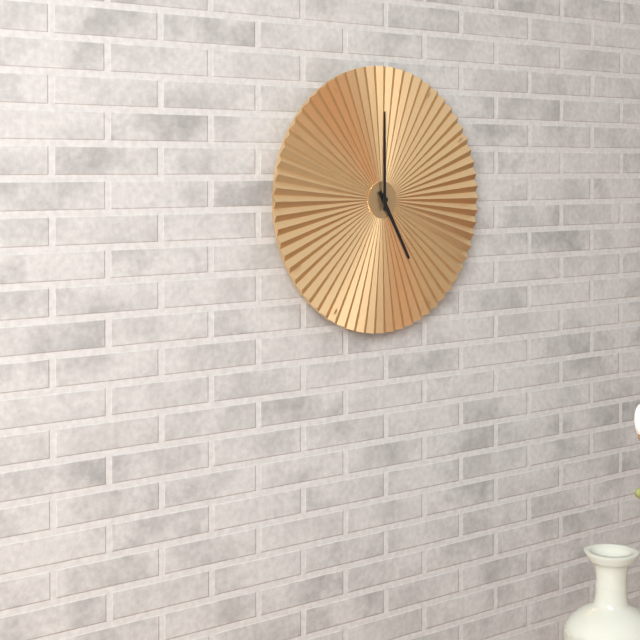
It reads 5,00
